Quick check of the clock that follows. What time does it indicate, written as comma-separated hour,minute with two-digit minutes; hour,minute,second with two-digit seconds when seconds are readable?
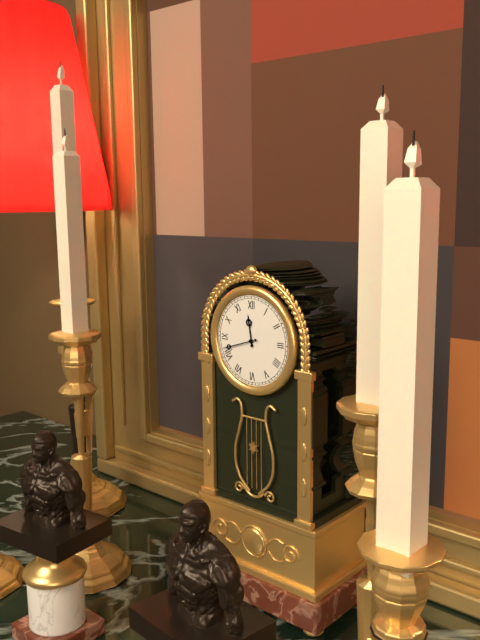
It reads 11,42
